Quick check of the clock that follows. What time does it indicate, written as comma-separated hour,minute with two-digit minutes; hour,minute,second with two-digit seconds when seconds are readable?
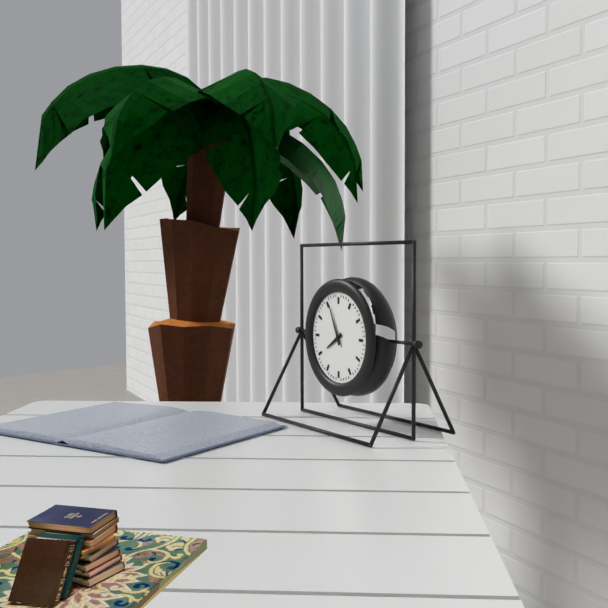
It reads 7,56
